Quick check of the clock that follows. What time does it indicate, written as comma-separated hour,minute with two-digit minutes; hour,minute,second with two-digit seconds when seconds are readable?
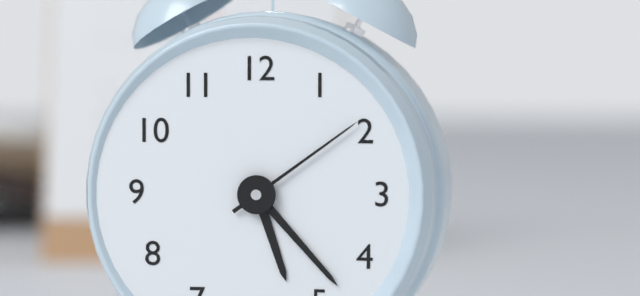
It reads 5,23,09
